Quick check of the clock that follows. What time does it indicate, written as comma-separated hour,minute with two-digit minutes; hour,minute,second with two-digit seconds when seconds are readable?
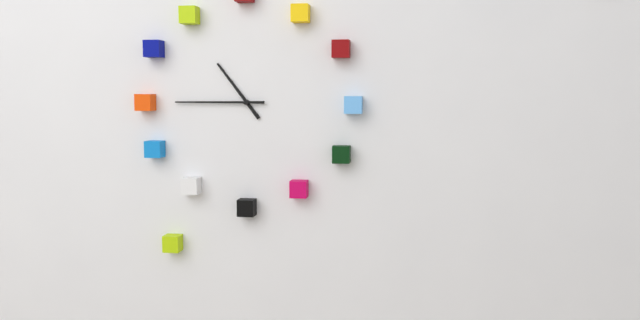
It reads 10,45
